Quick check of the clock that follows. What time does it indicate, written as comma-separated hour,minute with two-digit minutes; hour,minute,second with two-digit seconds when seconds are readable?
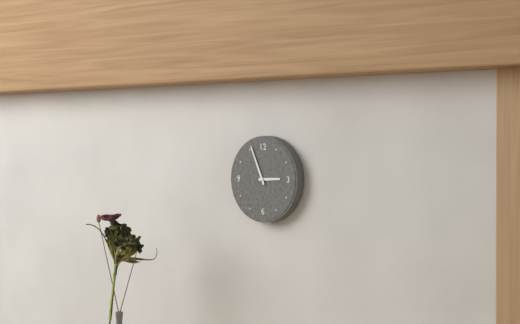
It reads 2,56
